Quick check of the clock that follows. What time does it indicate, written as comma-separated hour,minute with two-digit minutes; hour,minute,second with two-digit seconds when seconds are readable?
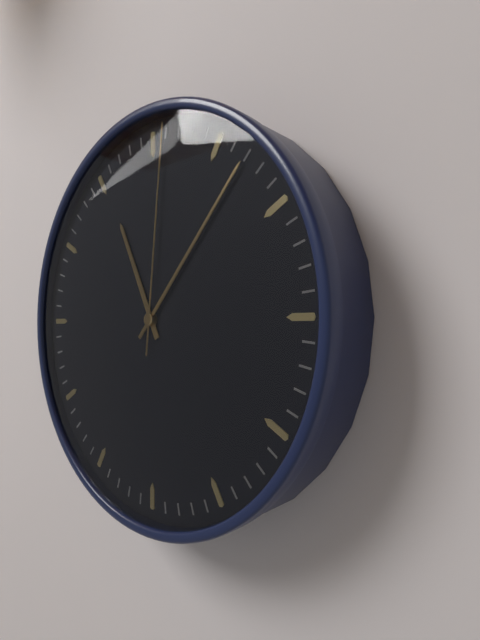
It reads 11,07,01
